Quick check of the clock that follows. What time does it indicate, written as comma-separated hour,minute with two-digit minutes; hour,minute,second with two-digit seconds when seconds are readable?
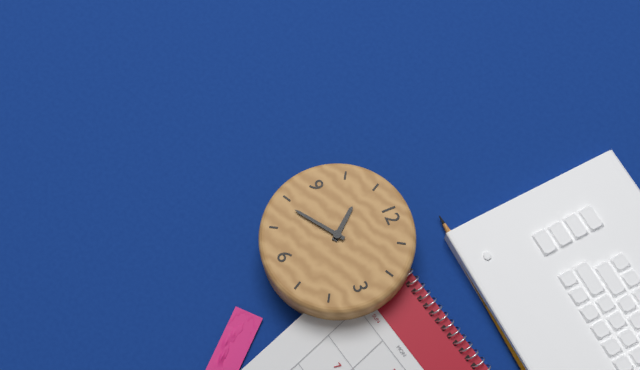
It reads 10,39
